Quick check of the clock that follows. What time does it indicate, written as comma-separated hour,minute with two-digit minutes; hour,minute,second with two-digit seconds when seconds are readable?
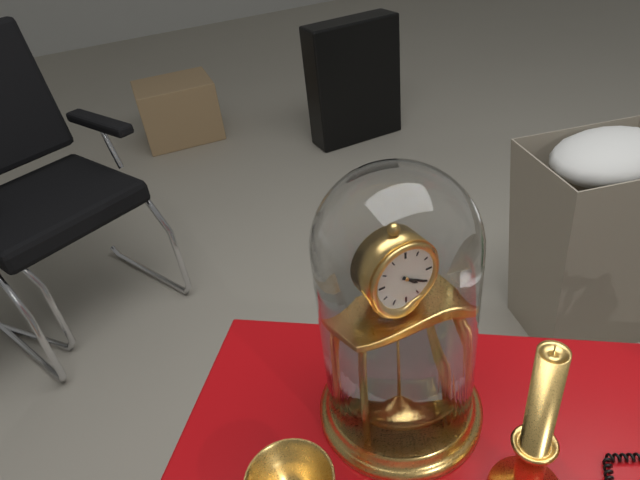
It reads 4,20
